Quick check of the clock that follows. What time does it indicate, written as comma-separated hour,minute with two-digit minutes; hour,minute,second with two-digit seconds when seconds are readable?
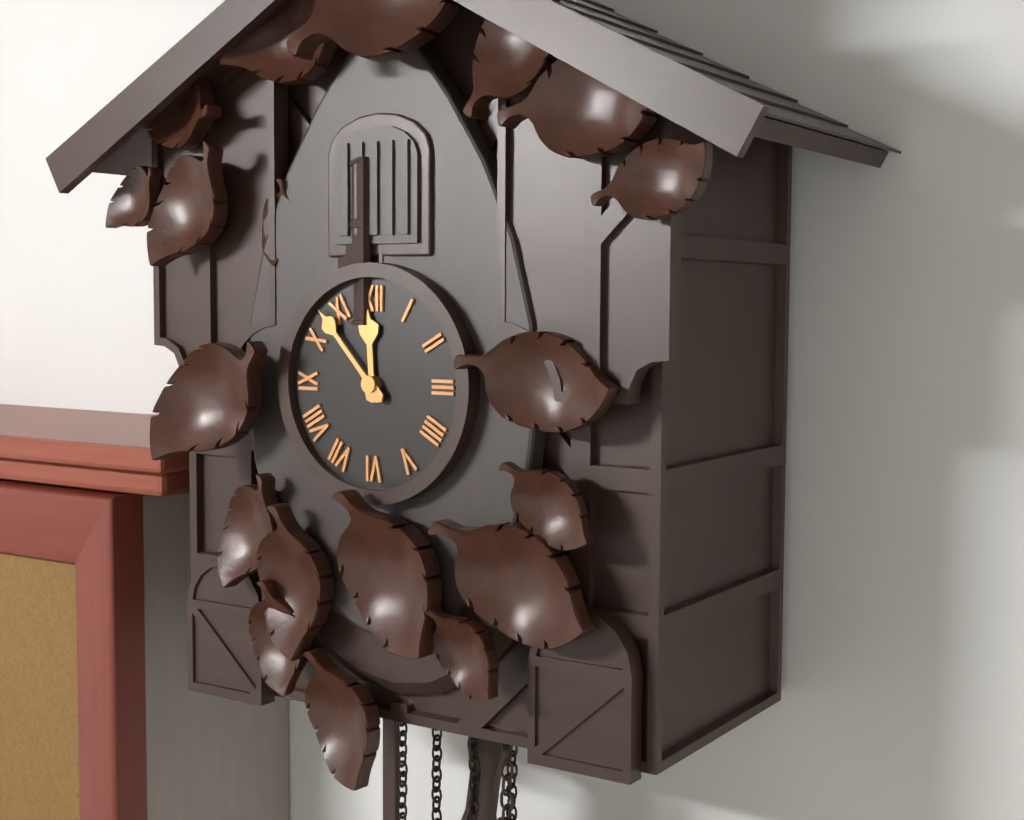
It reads 11,53
